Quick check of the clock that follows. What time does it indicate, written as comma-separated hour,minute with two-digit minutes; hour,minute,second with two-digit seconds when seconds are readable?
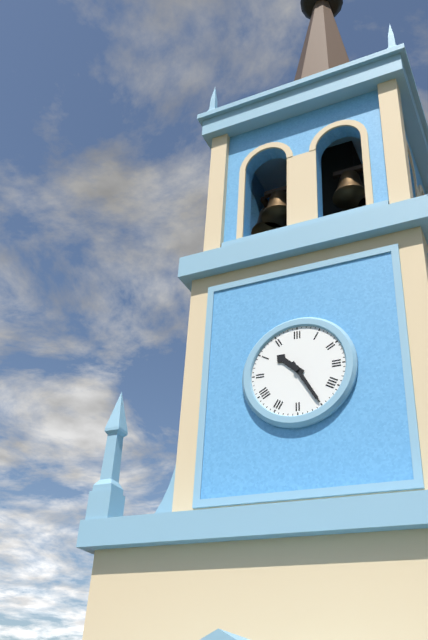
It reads 10,25
